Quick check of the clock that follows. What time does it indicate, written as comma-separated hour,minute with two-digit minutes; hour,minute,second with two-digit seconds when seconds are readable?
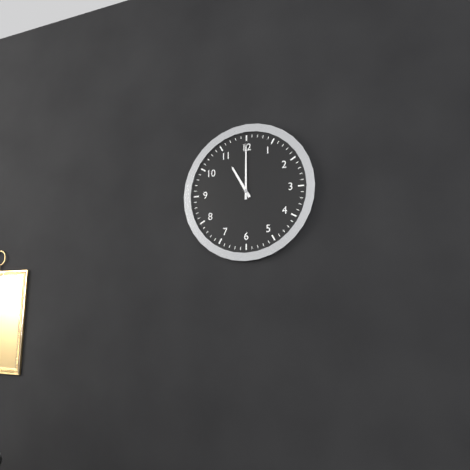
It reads 11,00
